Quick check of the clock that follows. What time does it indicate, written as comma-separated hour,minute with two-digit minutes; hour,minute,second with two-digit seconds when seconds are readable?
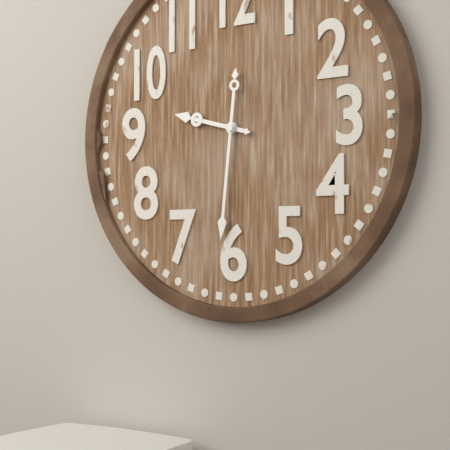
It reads 9,31
